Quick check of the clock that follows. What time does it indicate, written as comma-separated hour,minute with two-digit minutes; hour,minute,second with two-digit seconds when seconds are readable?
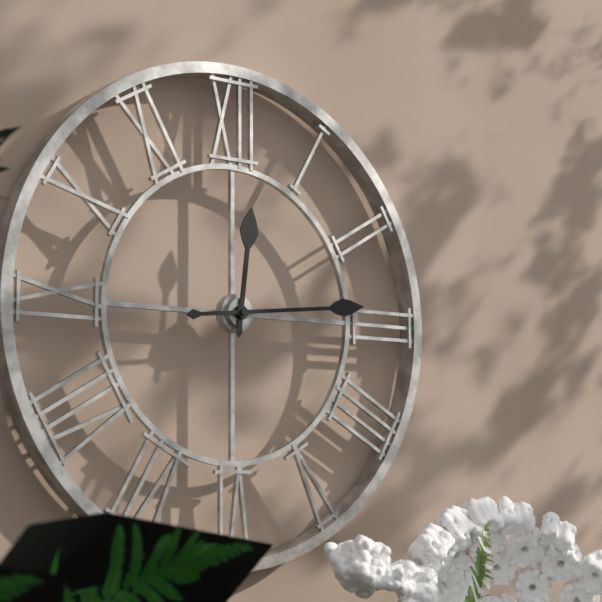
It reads 12,14
